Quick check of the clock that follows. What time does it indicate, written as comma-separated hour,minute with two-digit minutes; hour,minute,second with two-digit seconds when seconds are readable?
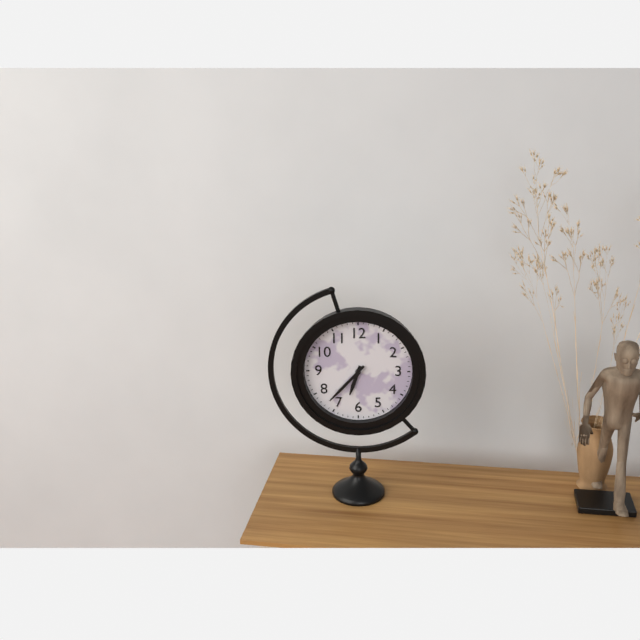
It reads 6,37
